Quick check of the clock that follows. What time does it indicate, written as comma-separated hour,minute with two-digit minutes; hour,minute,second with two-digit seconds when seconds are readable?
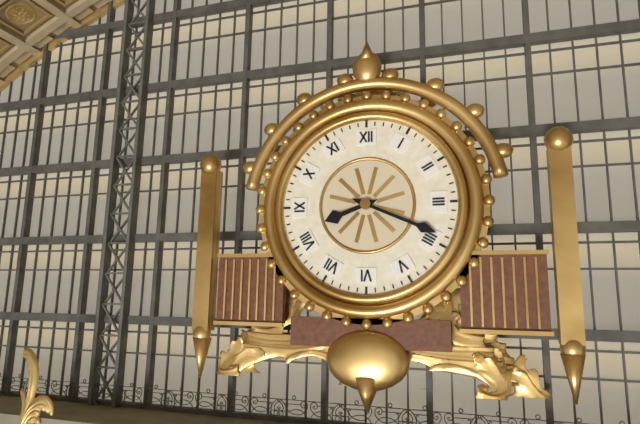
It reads 8,19
